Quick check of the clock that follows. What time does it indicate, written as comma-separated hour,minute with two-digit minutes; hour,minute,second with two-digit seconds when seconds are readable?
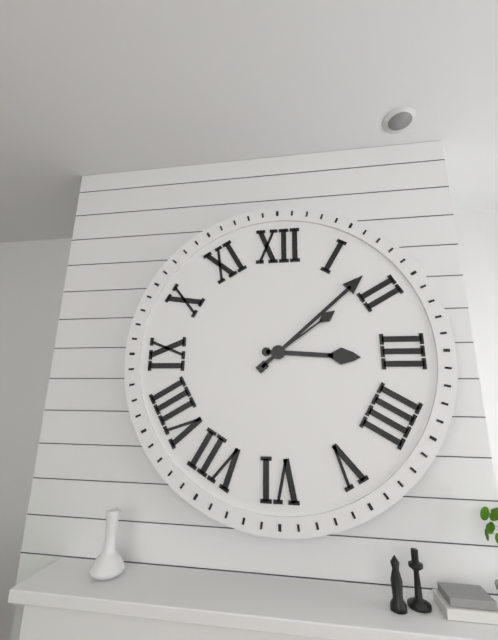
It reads 3,08,09
